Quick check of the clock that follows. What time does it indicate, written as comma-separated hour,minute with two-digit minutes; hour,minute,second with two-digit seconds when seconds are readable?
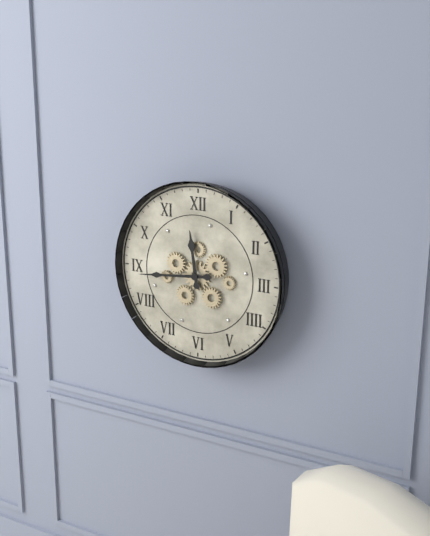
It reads 11,44
